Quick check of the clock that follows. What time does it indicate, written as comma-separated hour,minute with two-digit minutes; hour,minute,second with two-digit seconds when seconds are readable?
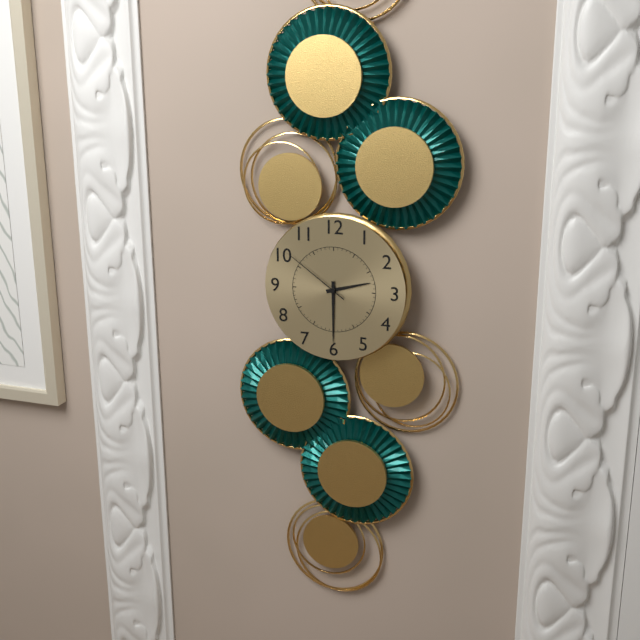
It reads 2,30,51
